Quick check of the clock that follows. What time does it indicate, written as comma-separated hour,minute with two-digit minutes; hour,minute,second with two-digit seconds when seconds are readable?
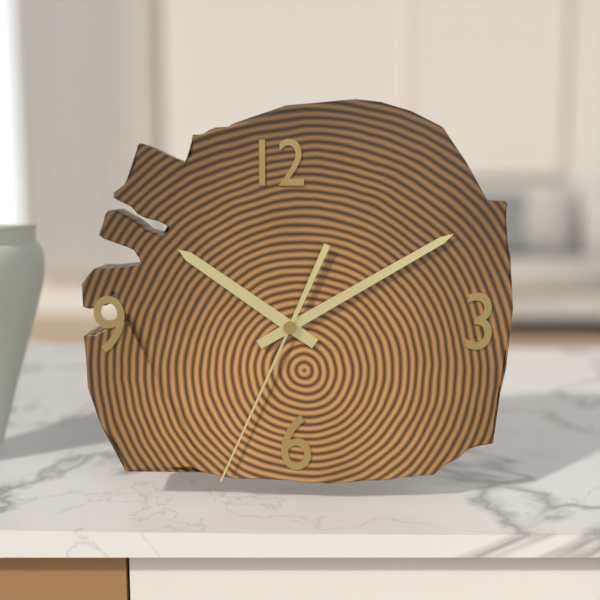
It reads 10,10,34
